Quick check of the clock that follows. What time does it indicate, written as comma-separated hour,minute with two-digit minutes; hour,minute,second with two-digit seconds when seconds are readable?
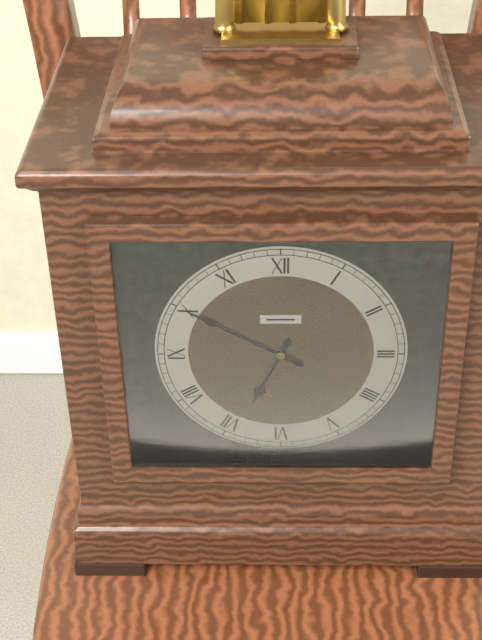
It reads 6,50
